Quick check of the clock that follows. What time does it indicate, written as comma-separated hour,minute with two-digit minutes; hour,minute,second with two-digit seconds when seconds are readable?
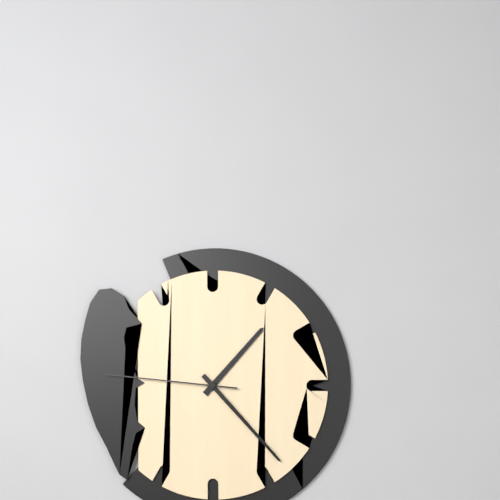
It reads 1,23,46
